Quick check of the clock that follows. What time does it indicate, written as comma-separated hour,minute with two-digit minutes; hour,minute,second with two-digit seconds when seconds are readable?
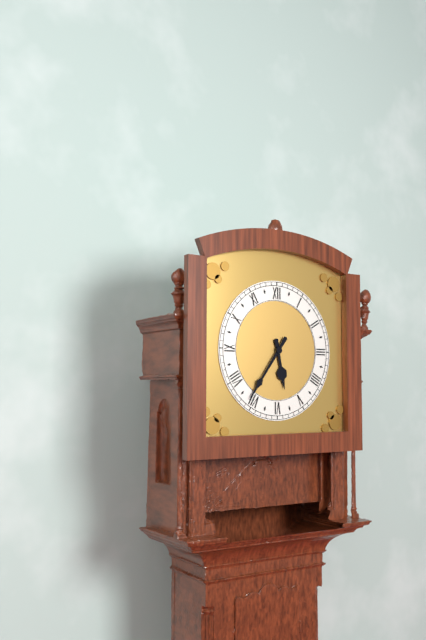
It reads 5,36
